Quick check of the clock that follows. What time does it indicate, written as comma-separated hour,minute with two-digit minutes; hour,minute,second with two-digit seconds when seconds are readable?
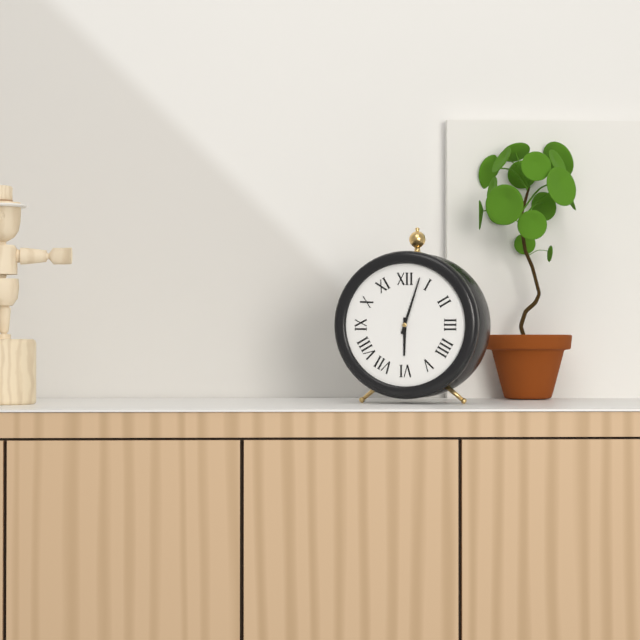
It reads 6,03
